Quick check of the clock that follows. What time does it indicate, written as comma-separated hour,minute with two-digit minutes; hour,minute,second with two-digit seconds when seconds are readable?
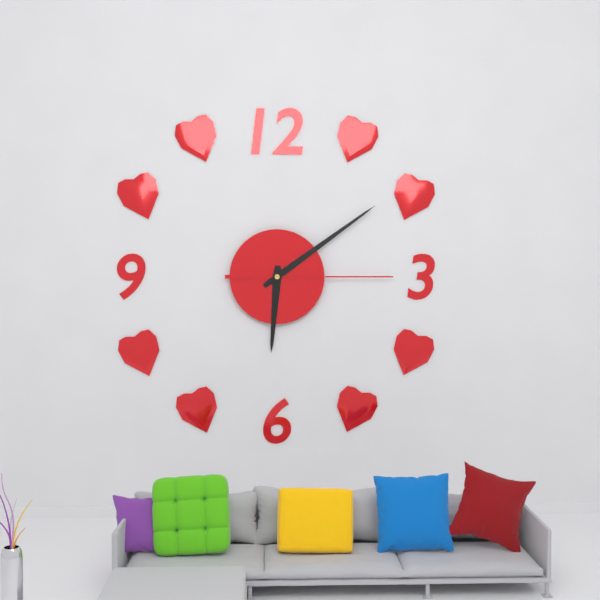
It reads 6,09,15
